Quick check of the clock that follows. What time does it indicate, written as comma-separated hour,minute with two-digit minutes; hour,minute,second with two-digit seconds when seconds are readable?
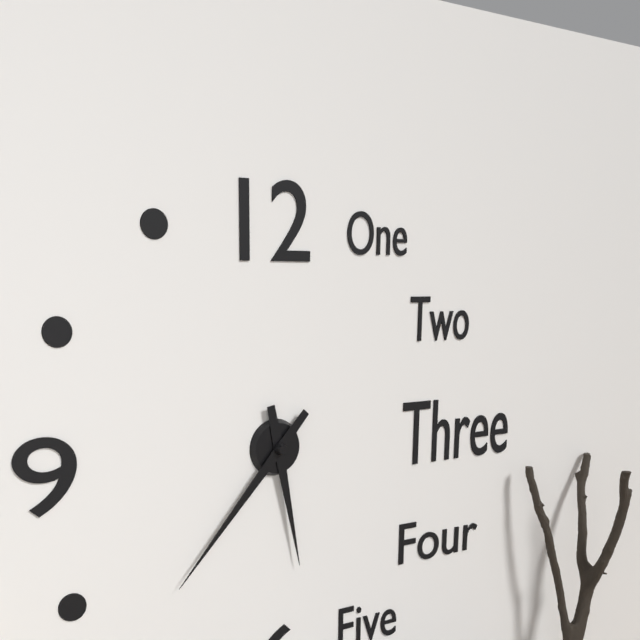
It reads 5,37
